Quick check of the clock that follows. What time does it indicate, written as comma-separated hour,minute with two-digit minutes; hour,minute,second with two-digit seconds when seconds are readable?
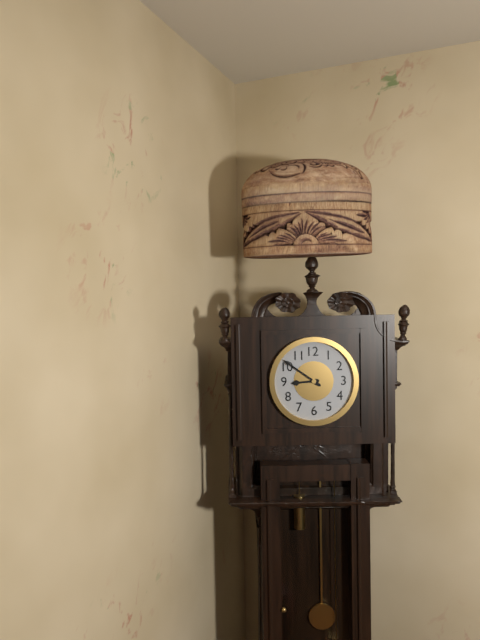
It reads 8,51
